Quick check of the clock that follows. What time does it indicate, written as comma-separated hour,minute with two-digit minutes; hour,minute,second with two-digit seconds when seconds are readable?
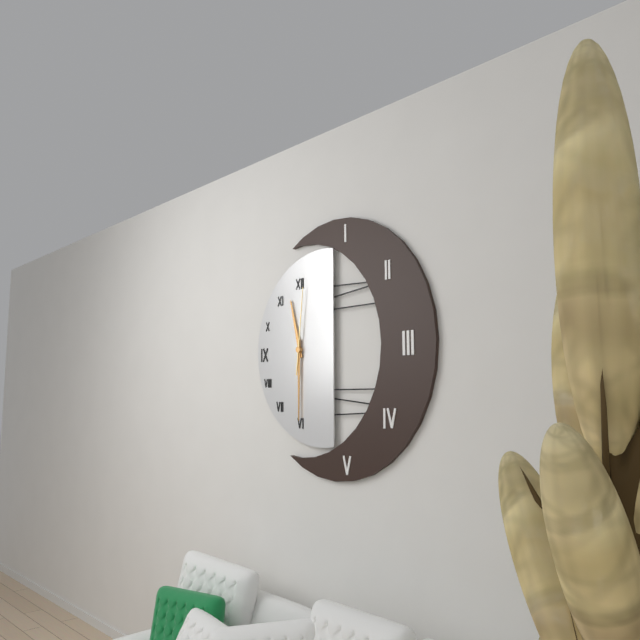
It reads 11,30,01
